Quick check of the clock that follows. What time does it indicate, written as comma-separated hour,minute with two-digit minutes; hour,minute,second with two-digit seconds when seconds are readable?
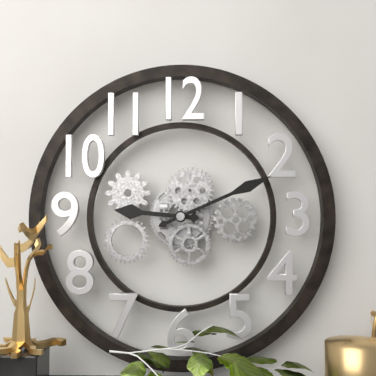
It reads 9,11
